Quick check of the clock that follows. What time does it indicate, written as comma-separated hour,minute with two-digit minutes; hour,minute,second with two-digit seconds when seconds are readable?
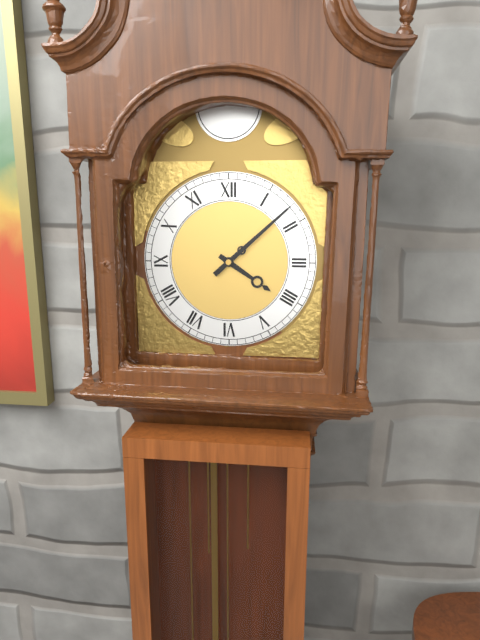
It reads 4,08
